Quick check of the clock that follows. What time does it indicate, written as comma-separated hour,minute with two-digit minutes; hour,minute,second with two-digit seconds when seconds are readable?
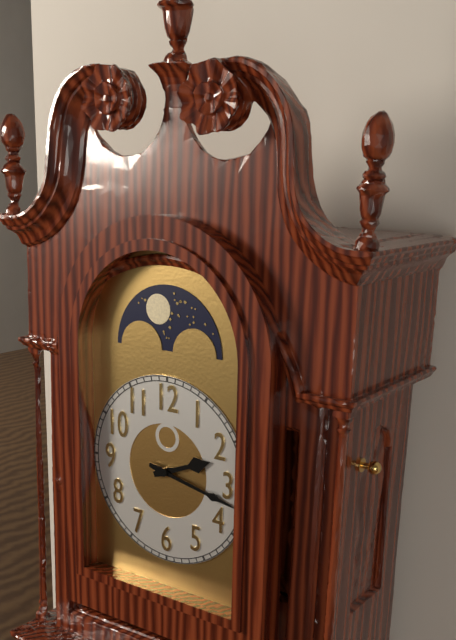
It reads 2,17
